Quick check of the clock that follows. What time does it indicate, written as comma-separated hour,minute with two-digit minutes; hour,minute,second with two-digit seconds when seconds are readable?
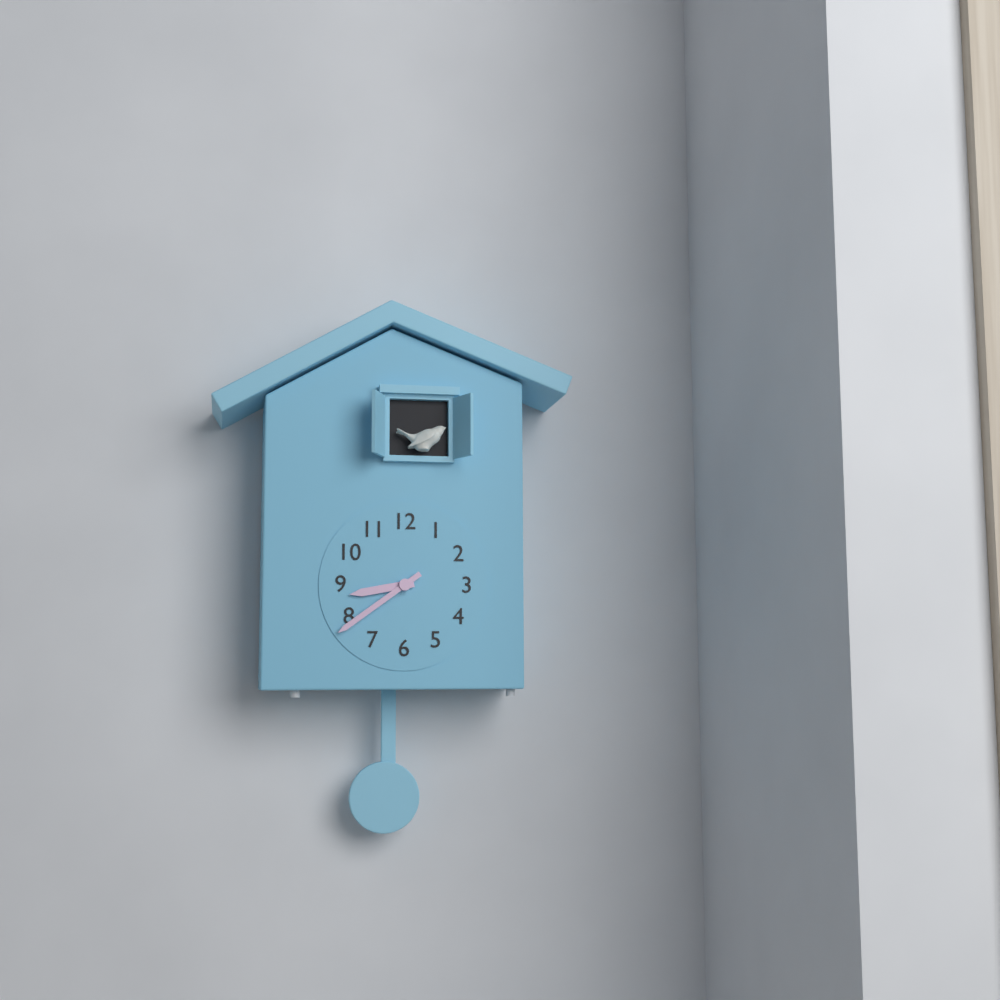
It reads 8,39
